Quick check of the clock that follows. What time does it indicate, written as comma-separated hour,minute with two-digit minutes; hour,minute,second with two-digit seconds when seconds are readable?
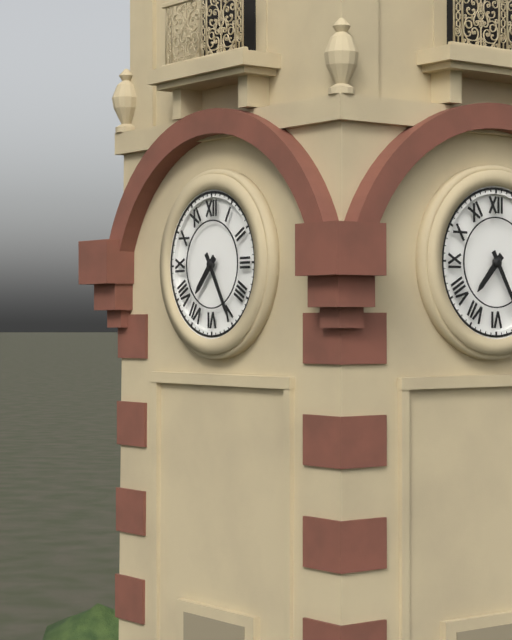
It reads 7,25
